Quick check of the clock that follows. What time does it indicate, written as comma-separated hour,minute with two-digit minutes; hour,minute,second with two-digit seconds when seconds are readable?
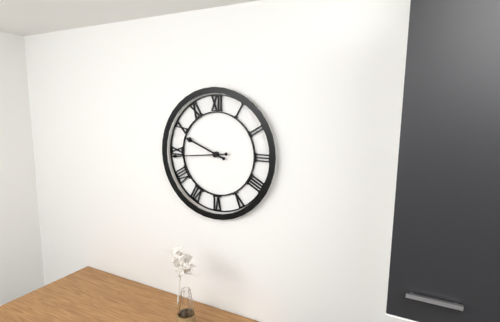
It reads 9,44
